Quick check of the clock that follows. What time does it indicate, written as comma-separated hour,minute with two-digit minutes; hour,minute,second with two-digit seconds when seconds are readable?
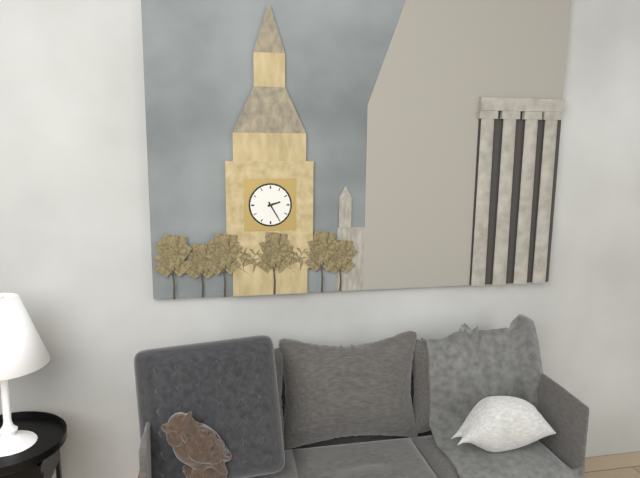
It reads 2,25
